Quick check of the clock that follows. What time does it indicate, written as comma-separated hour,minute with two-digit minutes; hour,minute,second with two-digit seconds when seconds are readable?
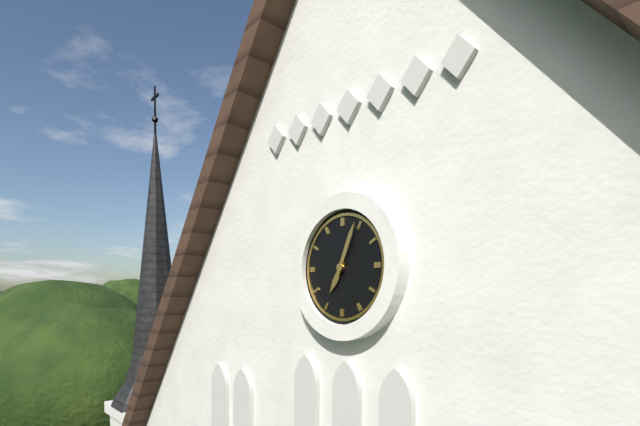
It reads 7,04
